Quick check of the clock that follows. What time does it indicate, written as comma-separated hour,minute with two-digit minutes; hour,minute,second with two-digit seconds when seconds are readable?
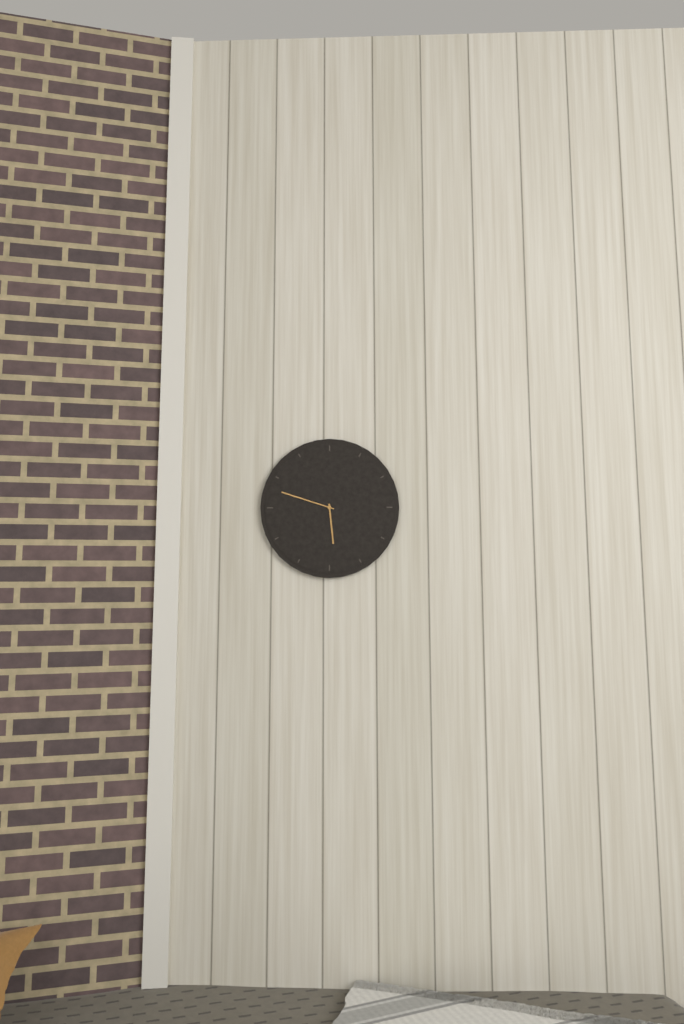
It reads 5,48
